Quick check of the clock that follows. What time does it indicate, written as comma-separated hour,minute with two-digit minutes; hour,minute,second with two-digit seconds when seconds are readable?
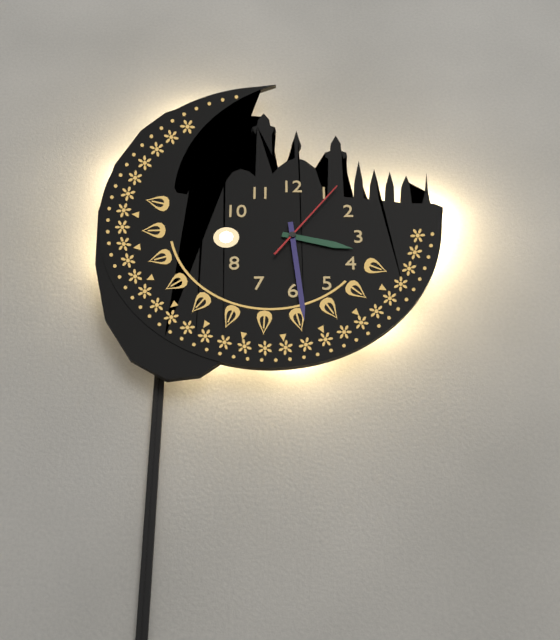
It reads 3,29,06
